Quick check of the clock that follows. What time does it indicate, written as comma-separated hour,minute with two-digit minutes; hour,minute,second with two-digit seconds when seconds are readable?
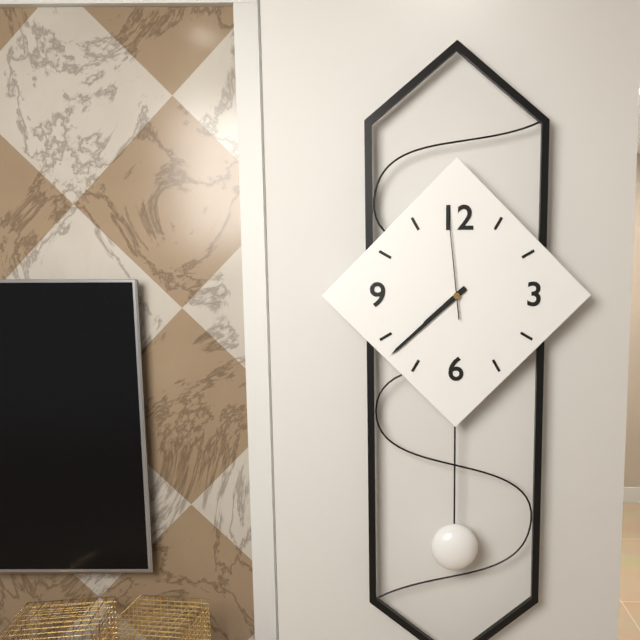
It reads 7,38,59
